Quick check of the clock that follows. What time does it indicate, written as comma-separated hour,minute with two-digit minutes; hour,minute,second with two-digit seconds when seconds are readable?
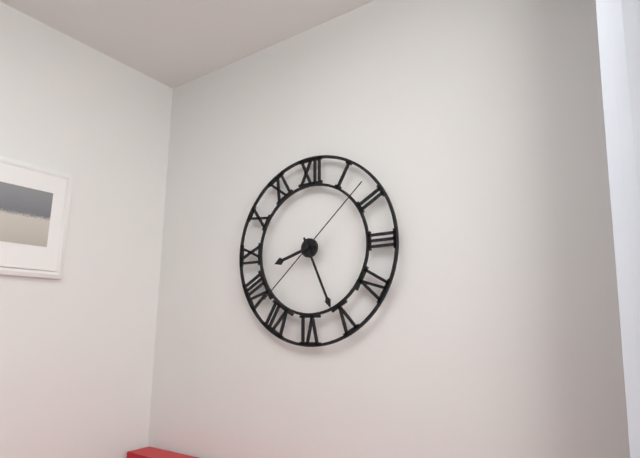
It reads 8,26,08
